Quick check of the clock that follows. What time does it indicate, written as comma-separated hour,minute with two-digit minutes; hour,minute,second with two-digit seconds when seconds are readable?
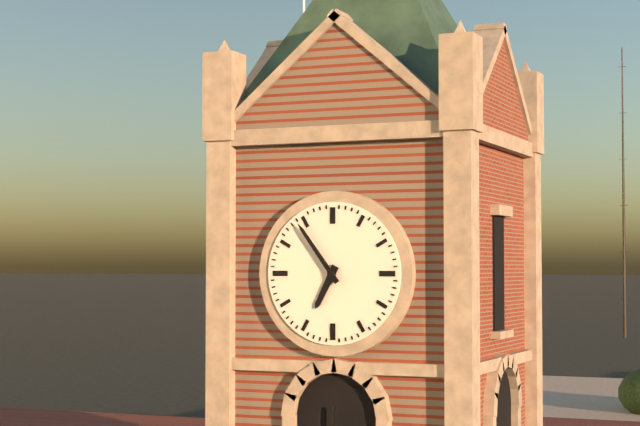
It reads 6,54
